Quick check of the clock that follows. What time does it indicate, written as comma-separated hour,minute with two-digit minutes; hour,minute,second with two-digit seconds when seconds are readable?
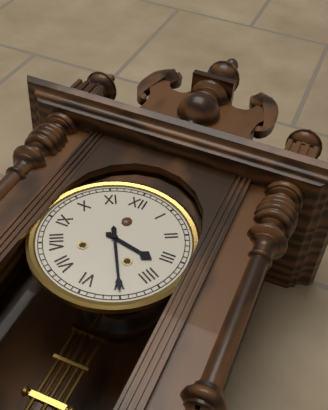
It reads 3,25
